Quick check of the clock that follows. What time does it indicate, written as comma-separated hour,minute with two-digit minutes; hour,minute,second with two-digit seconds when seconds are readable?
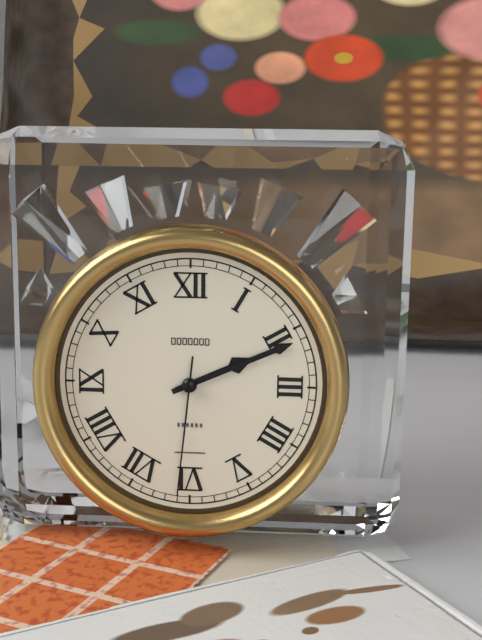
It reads 2,11,31
